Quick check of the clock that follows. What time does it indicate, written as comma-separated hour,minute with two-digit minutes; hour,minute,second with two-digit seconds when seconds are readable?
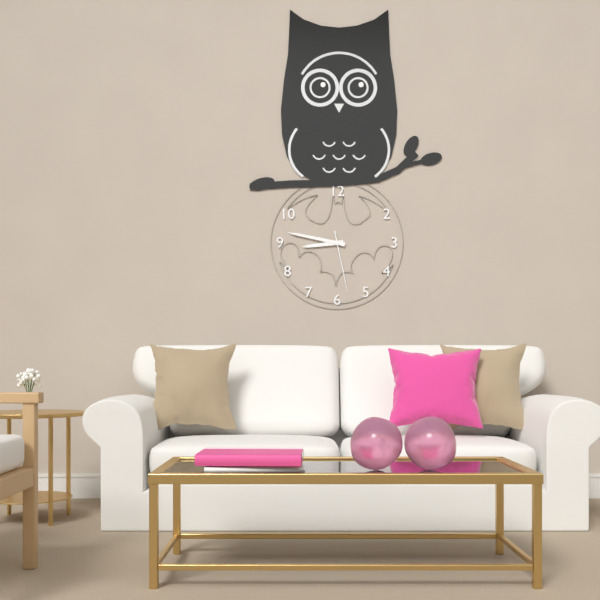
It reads 8,47,28
